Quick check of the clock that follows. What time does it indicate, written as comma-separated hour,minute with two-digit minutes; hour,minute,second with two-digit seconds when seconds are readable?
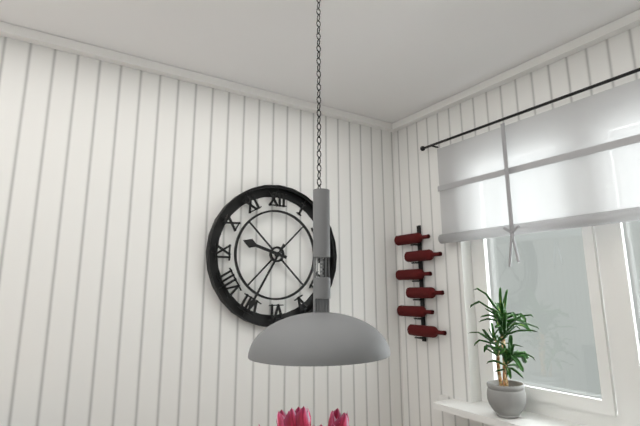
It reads 9,35
